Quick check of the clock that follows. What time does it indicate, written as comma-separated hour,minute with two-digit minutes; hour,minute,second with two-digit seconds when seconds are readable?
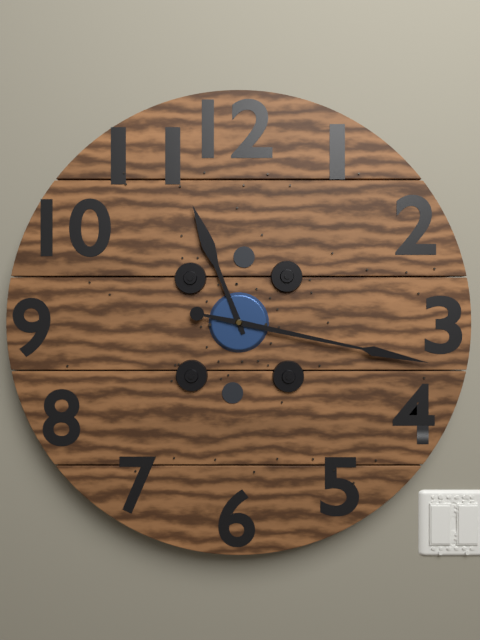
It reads 11,17
